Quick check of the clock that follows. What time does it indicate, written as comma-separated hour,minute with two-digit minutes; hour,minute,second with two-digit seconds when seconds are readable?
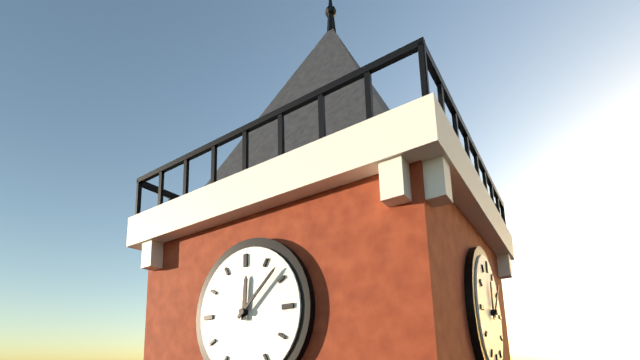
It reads 12,08
